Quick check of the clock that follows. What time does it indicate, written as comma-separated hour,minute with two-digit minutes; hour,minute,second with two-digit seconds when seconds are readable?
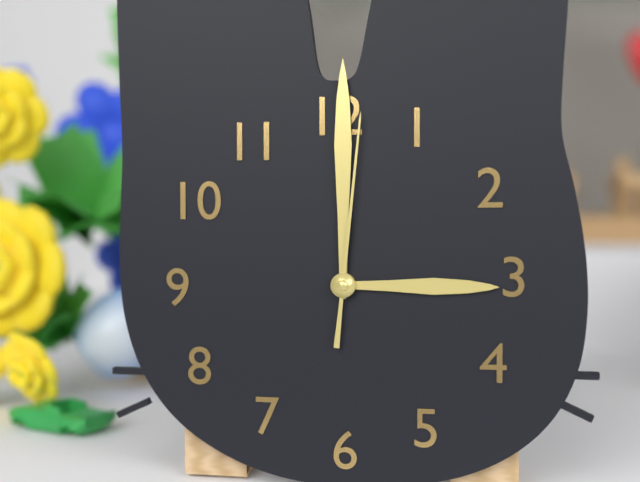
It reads 3,00,01
